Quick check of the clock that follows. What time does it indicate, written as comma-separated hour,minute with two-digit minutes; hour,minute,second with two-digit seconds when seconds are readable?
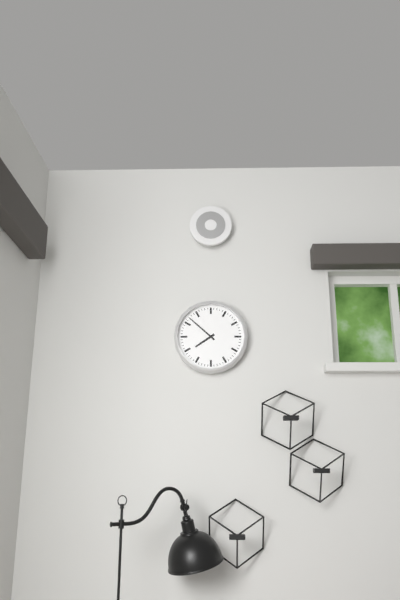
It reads 7,52
